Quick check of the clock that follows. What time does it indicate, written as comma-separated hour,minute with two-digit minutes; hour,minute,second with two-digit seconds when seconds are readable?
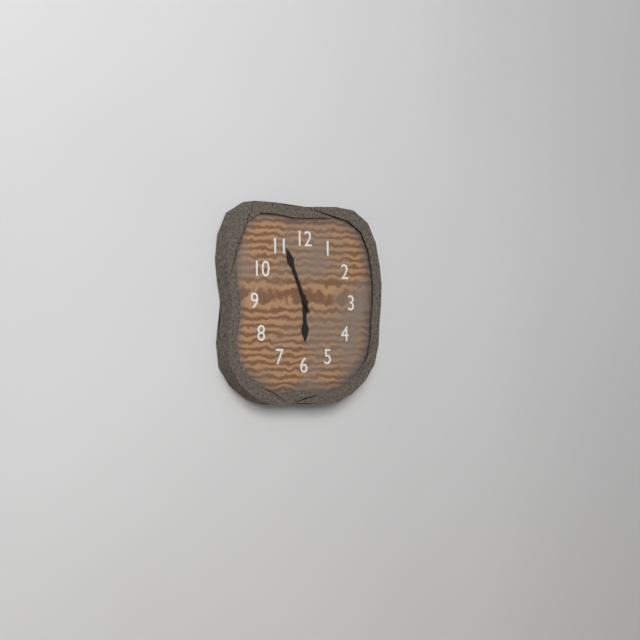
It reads 5,56
